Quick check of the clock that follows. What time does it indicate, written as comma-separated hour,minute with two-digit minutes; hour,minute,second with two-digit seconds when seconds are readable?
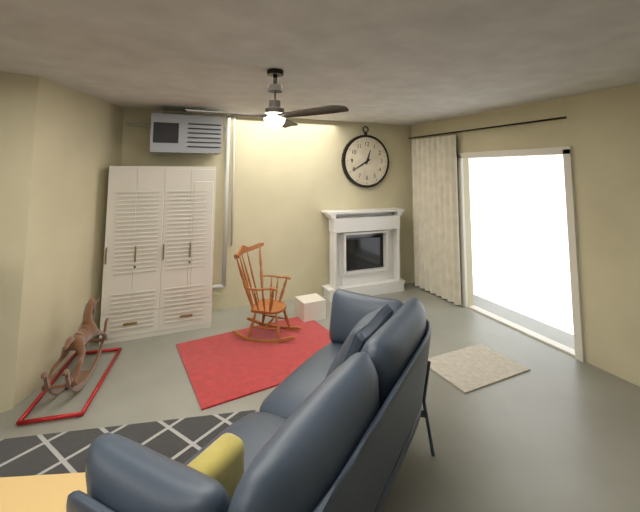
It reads 12,40
